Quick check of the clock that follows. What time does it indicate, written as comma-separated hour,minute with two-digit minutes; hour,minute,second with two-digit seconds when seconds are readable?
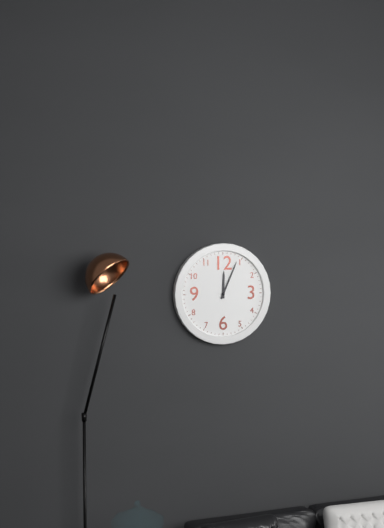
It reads 12,04
